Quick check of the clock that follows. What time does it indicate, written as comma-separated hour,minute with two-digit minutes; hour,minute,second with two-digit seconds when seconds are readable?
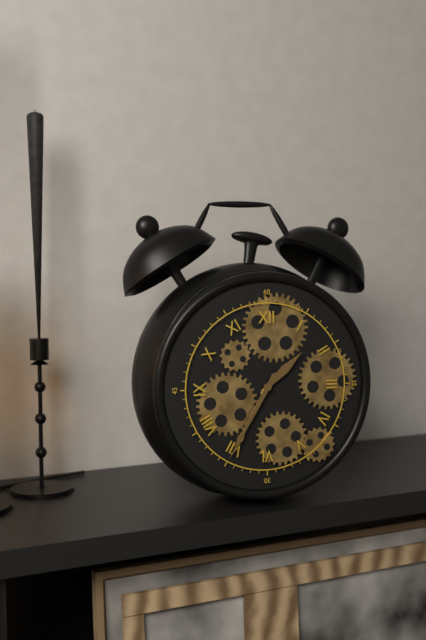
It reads 1,35
